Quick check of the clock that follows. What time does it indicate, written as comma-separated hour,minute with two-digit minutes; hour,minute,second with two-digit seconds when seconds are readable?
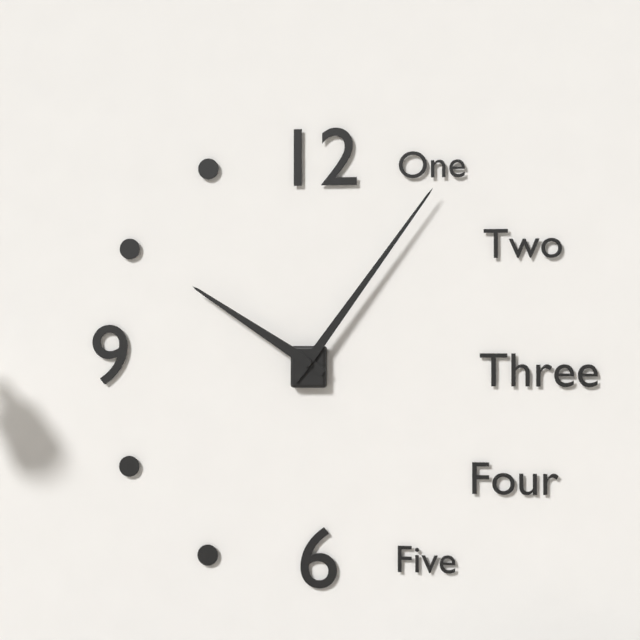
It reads 10,06
